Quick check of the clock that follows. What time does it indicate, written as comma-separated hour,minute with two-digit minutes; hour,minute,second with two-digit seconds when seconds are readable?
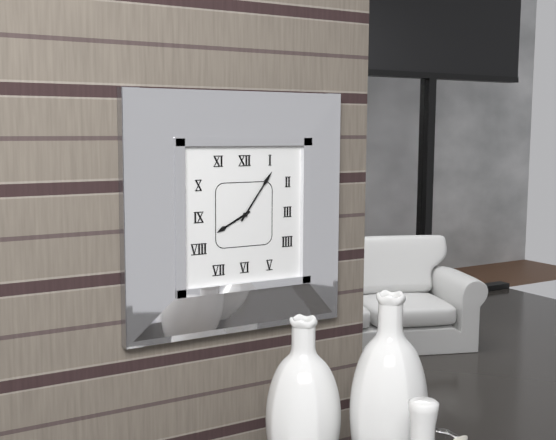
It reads 8,06
